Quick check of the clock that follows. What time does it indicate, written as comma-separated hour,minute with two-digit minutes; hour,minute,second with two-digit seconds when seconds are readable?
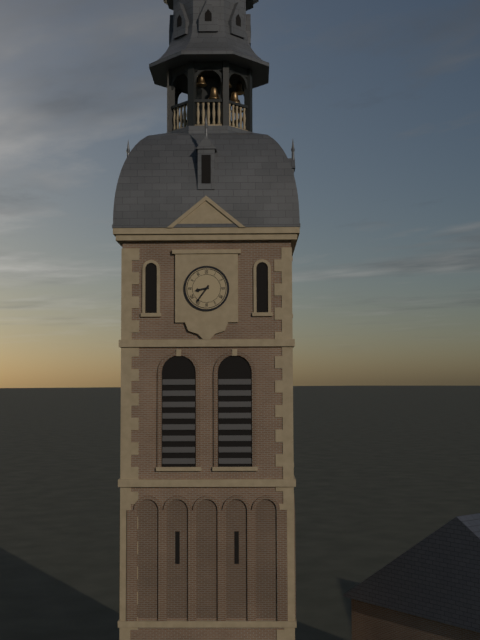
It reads 8,36
